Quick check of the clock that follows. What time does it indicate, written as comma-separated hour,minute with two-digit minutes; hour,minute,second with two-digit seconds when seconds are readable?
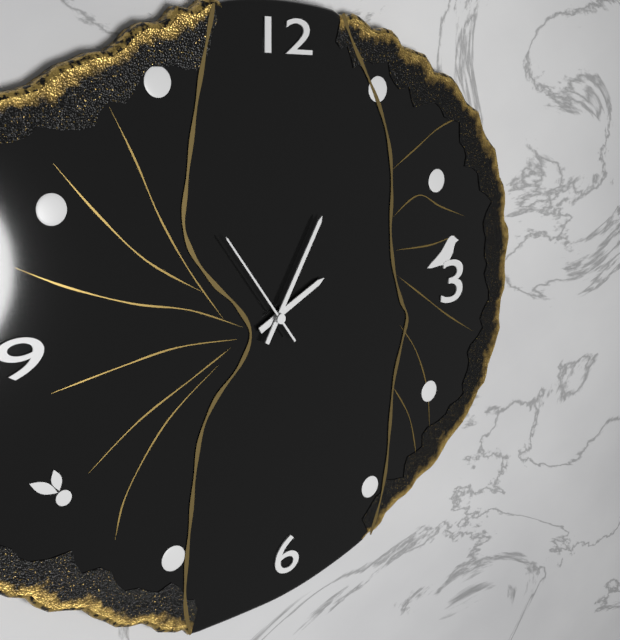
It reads 2,05,54
